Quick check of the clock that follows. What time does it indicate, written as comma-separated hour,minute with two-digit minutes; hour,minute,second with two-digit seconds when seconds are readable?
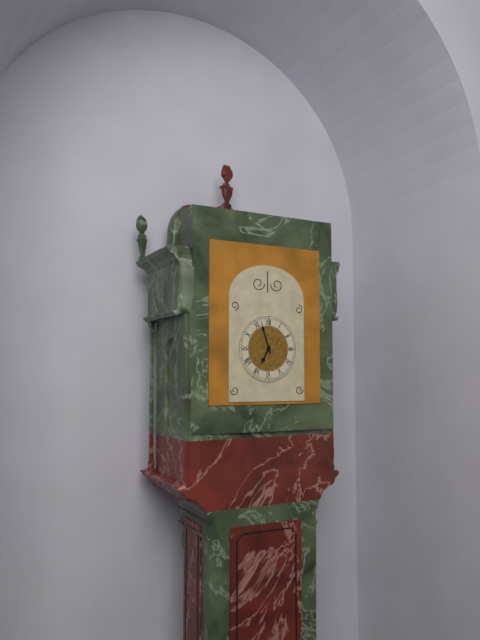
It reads 6,57
